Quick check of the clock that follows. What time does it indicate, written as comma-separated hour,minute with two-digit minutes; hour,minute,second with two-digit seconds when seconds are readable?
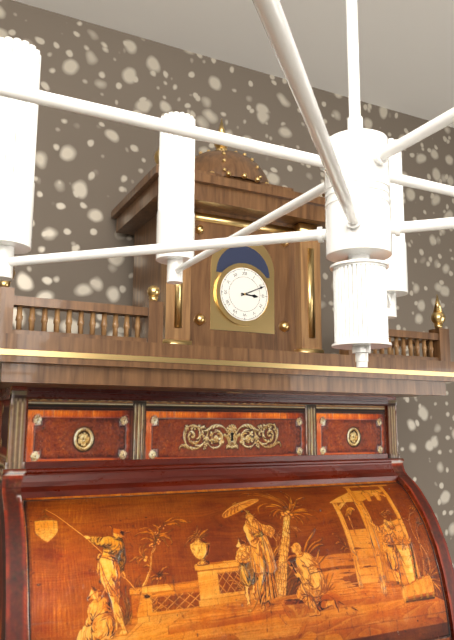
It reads 3,11
